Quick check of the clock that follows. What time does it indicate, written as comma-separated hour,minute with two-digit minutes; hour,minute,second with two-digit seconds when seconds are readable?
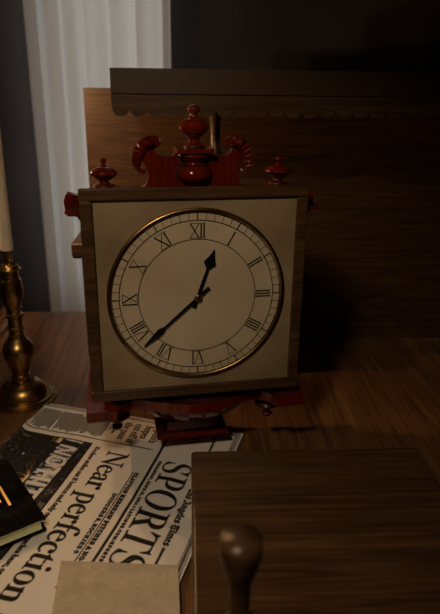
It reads 12,38
